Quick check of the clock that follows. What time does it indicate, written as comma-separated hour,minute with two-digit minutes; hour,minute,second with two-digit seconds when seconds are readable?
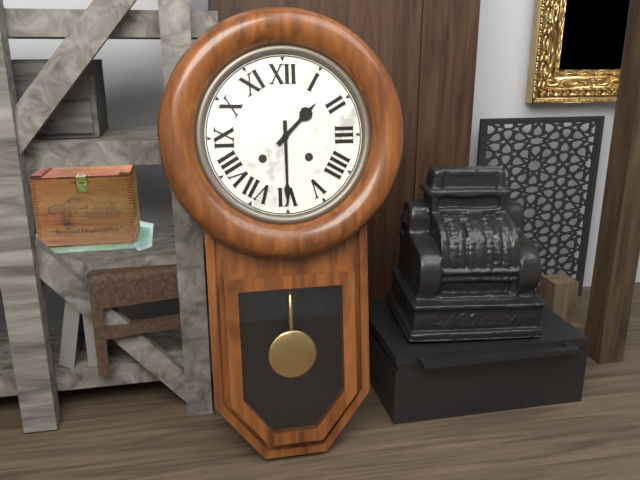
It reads 1,30
